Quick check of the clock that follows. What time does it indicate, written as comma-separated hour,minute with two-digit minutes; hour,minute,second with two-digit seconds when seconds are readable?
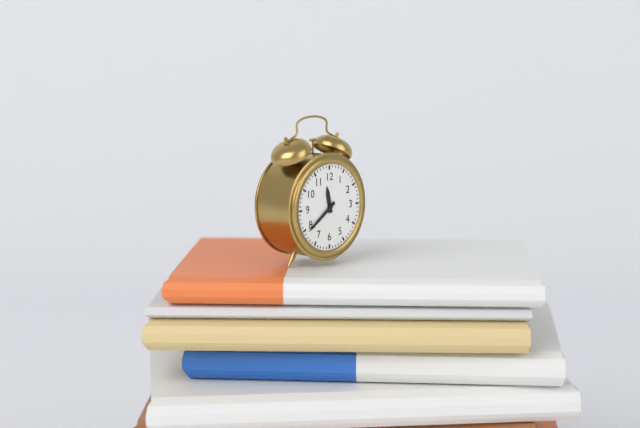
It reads 11,39
